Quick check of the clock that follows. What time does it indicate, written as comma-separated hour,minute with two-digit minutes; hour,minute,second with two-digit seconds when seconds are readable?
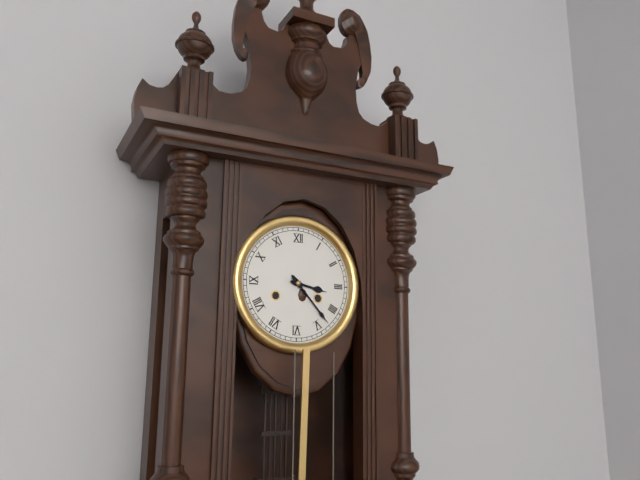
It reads 3,23
